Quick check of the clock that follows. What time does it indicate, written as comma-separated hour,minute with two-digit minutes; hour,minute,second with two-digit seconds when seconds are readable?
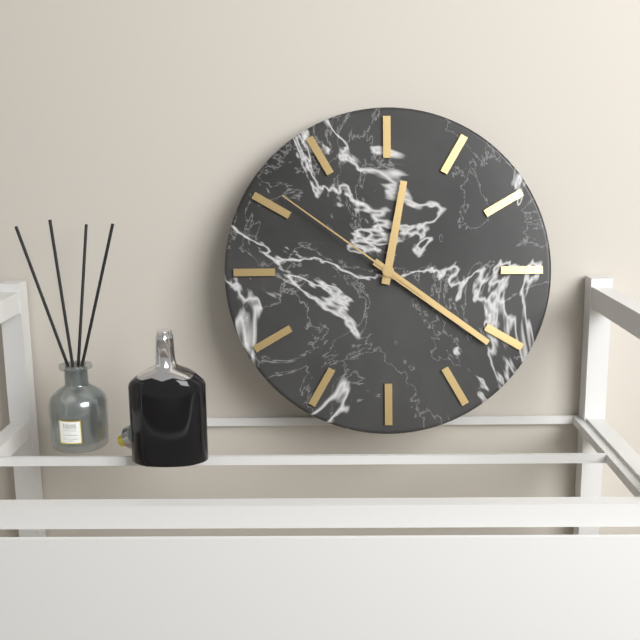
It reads 12,21,51
